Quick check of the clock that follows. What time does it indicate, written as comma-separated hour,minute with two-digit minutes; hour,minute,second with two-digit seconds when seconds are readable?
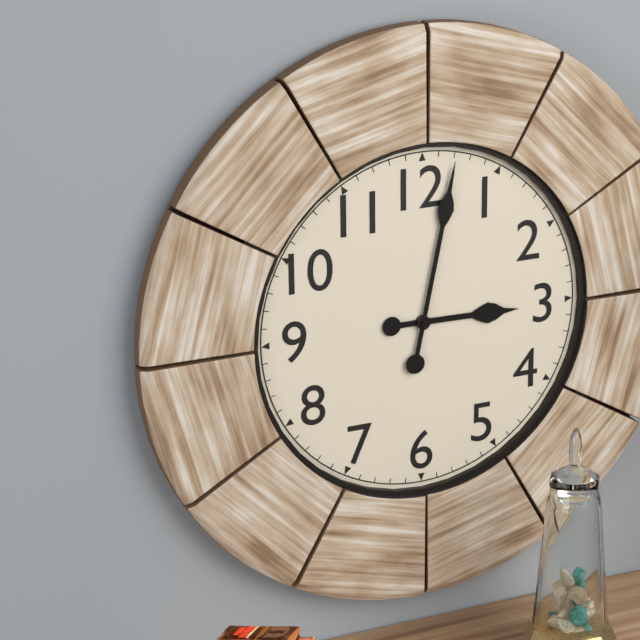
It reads 3,02
